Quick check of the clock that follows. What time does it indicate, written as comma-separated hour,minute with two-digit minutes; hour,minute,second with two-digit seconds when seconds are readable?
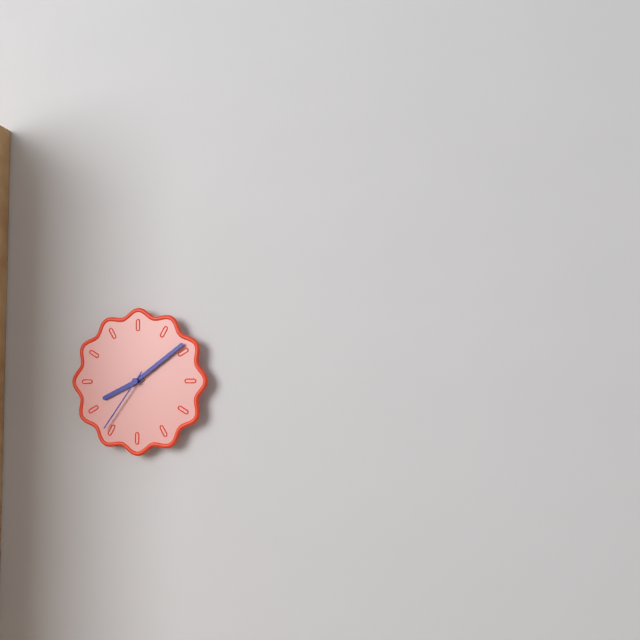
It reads 8,09,36
